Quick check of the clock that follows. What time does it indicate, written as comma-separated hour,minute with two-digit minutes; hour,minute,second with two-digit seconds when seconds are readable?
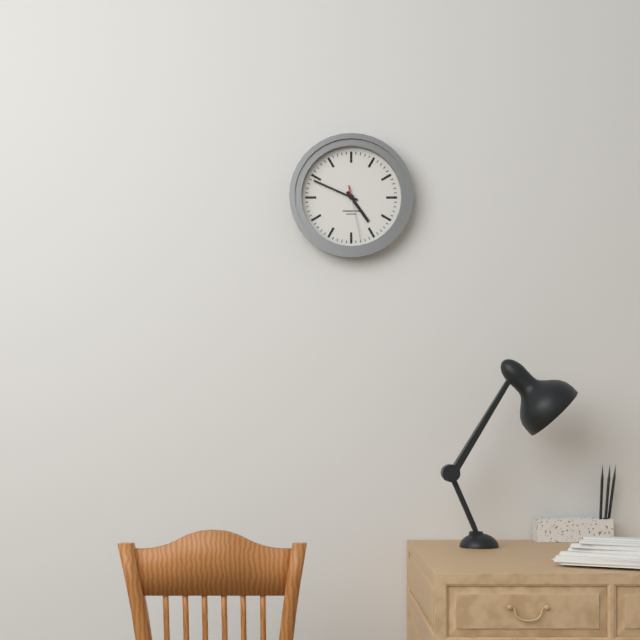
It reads 4,49,28
